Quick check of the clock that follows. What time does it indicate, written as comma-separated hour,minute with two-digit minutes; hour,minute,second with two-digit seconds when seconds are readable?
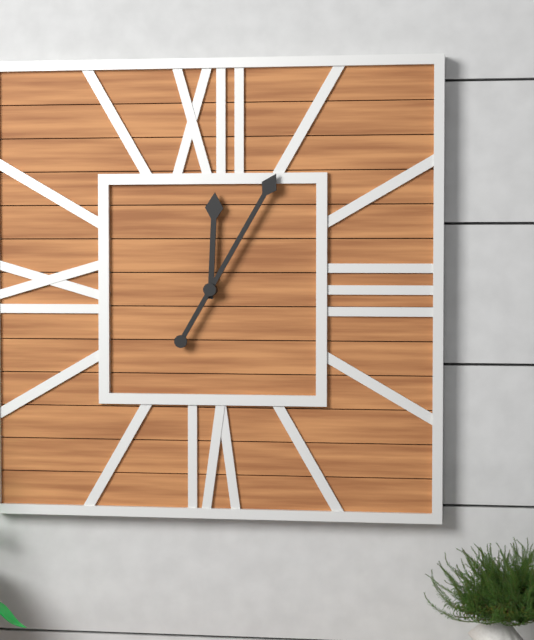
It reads 12,05
